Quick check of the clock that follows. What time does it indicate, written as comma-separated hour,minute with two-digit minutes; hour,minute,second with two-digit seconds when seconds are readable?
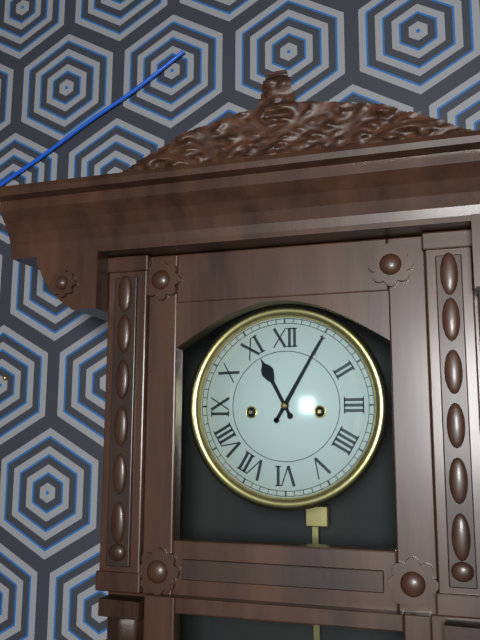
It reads 11,05
